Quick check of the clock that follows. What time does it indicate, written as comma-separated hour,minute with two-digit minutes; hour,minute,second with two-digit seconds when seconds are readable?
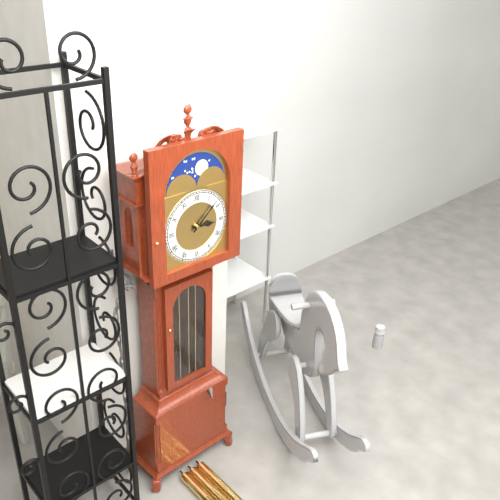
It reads 3,08
